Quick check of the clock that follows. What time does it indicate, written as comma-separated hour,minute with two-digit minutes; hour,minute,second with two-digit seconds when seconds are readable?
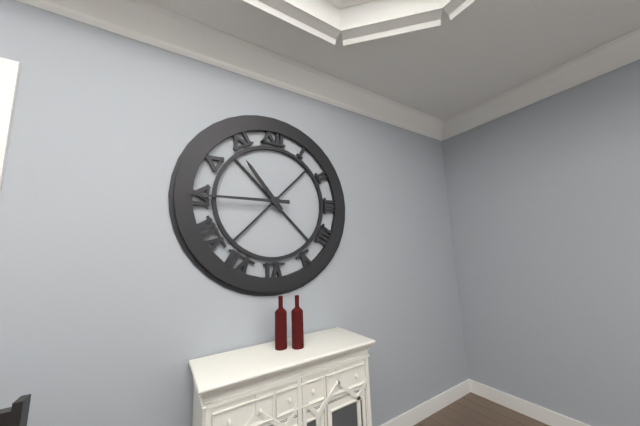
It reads 10,45
